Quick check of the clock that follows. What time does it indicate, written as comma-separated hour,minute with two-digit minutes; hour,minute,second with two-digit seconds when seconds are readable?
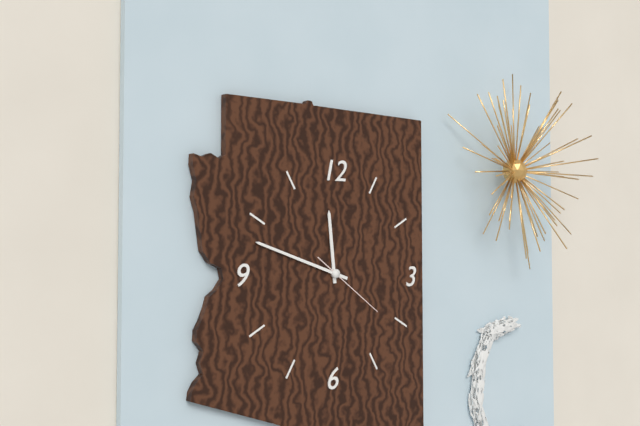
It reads 11,48,21
